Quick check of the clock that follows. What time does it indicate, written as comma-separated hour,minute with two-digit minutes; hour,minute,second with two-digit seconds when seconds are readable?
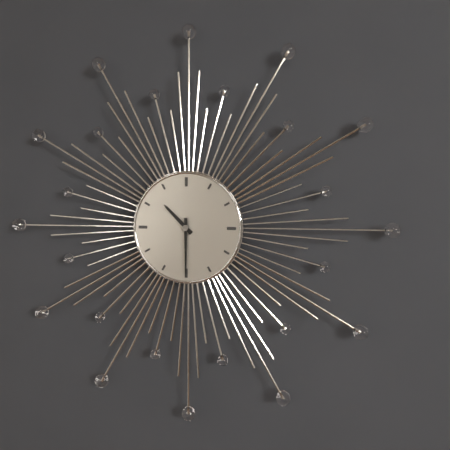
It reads 10,30
